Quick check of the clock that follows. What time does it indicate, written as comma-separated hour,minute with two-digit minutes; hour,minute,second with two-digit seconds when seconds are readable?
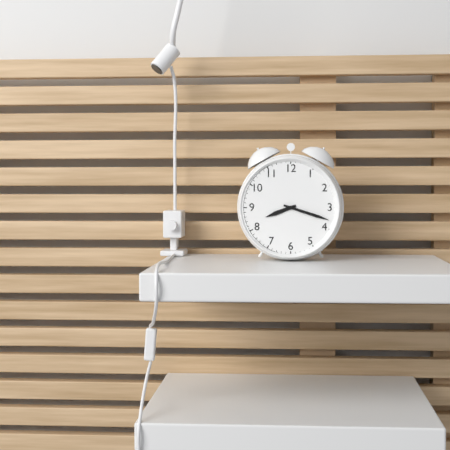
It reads 8,18
